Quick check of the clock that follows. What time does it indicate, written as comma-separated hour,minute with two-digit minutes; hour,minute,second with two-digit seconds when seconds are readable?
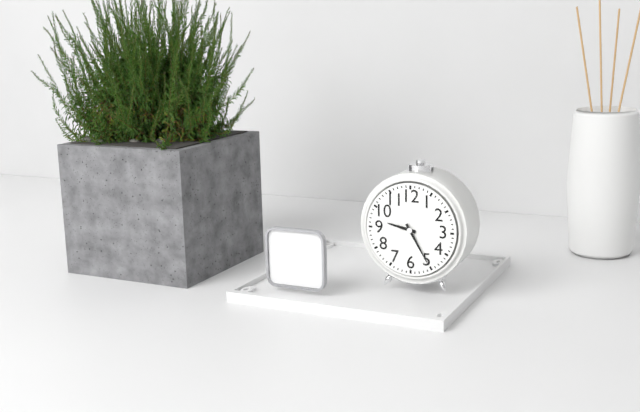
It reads 9,25
